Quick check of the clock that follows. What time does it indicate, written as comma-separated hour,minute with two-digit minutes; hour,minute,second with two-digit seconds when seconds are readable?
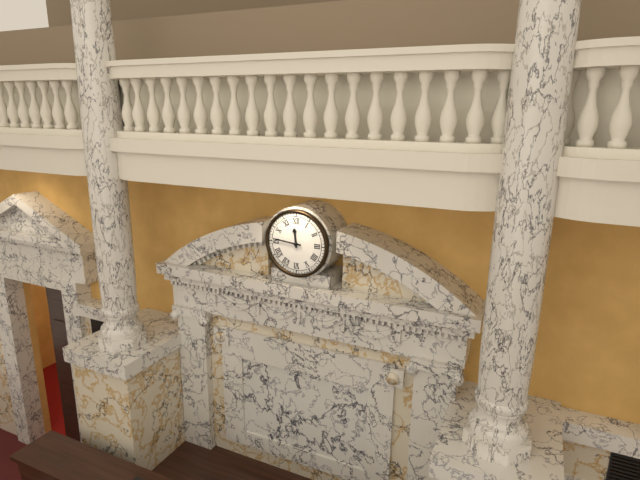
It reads 11,46
